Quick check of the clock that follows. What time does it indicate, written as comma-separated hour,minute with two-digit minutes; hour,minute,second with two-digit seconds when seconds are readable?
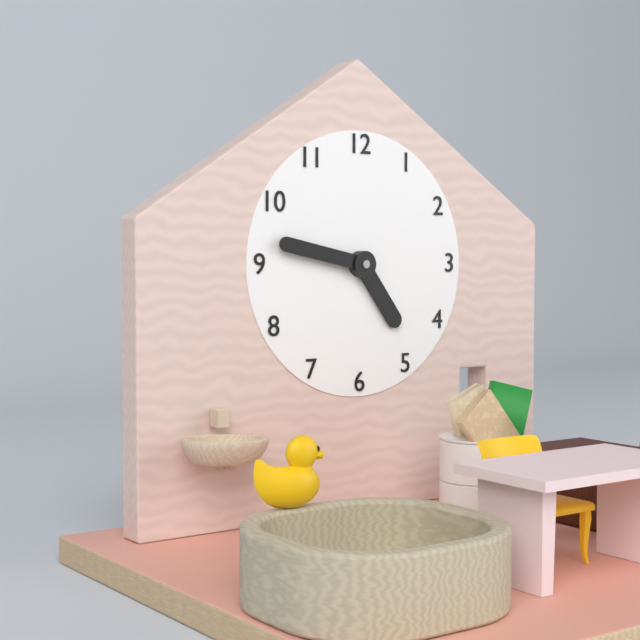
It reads 4,47
